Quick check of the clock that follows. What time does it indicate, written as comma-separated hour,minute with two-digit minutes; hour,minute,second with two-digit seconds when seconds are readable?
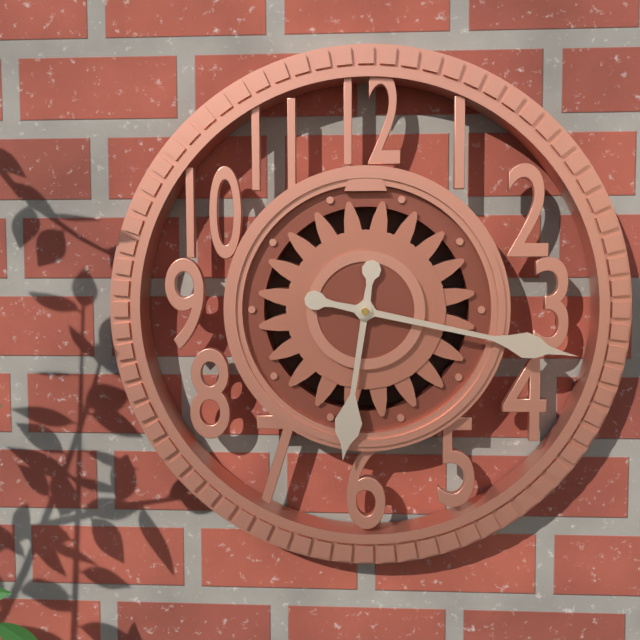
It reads 6,17
